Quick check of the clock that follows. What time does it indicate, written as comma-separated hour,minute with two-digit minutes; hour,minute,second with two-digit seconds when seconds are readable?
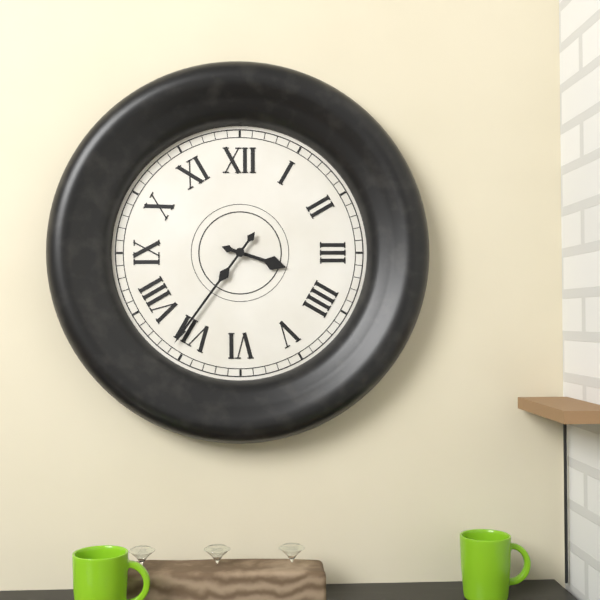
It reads 3,36
